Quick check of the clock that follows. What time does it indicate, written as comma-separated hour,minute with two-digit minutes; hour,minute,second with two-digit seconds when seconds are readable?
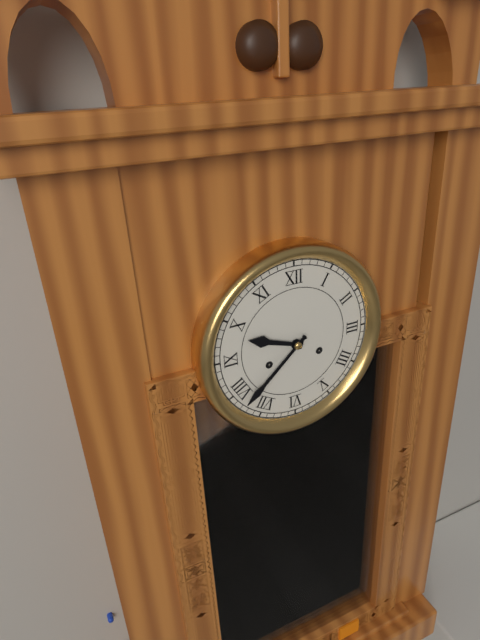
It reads 9,38
